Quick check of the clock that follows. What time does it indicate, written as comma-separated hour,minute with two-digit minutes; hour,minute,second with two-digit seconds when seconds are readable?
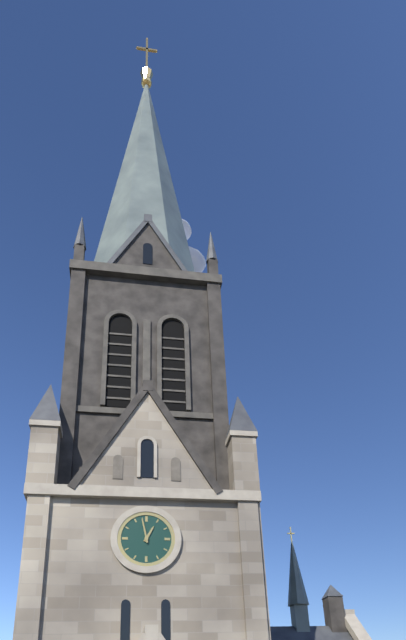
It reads 12,58
